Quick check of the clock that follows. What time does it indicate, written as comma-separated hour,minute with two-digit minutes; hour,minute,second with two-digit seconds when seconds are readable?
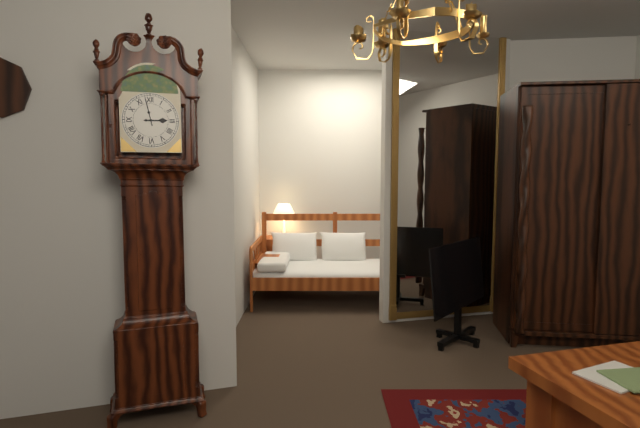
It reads 2,58
